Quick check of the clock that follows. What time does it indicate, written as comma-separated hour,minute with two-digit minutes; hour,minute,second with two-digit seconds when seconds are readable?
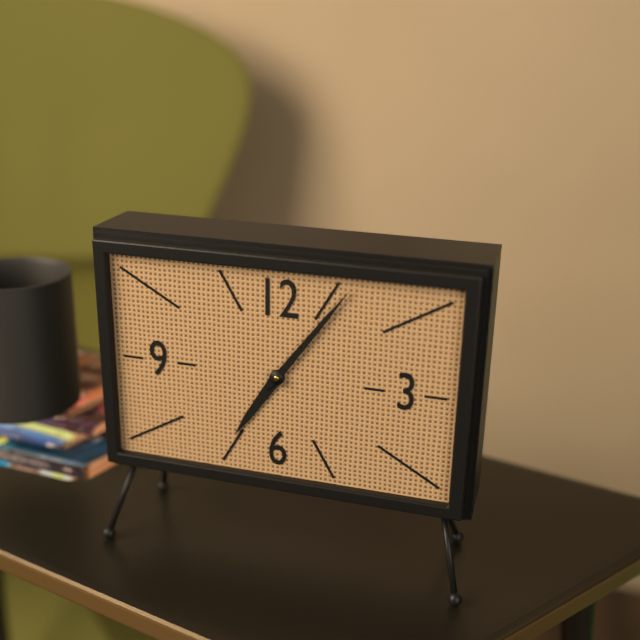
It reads 7,06
